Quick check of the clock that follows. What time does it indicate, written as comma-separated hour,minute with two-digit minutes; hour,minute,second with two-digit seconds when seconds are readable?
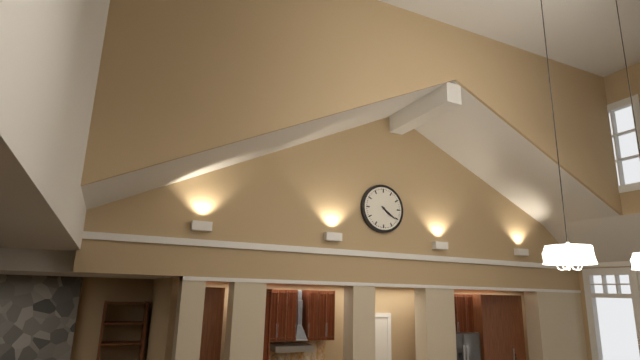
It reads 4,21
